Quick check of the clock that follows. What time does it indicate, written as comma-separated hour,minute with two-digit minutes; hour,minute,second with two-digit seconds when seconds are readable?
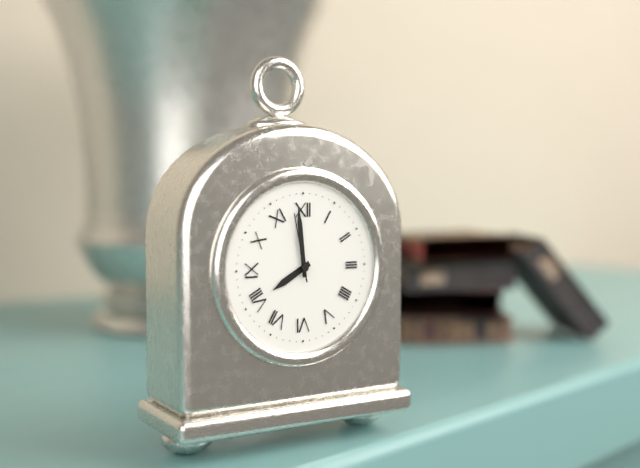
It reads 7,59,58
